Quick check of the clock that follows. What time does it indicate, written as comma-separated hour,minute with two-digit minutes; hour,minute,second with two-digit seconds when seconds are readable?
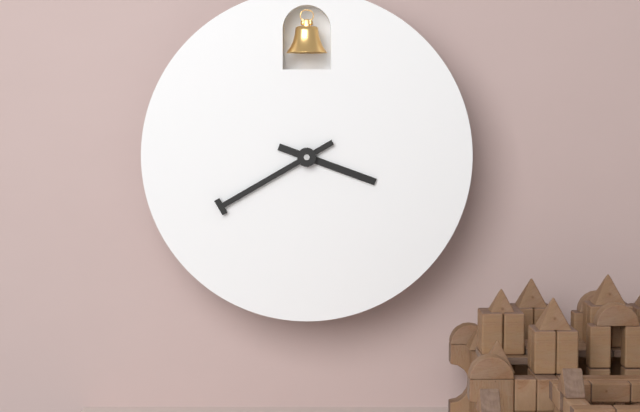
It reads 3,40
